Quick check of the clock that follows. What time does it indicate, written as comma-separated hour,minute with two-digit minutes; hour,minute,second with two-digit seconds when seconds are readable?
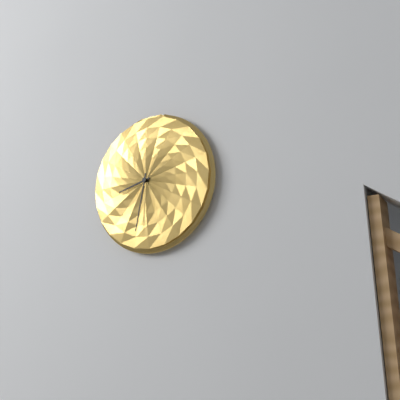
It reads 8,32
